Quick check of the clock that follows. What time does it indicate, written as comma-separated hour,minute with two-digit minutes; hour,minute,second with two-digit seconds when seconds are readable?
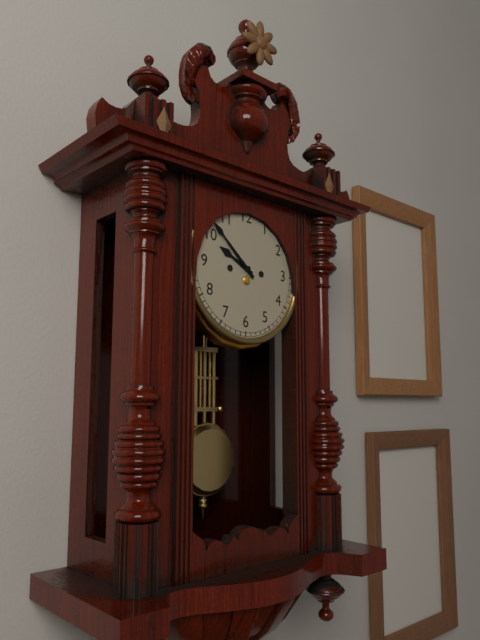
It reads 9,52
